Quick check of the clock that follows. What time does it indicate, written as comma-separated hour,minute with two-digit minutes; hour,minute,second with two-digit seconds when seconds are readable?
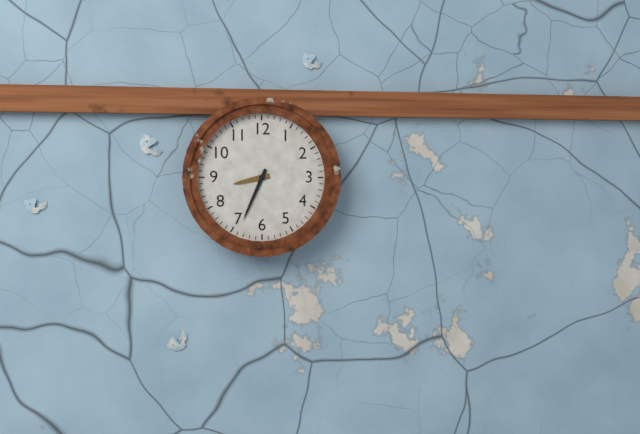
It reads 8,34
